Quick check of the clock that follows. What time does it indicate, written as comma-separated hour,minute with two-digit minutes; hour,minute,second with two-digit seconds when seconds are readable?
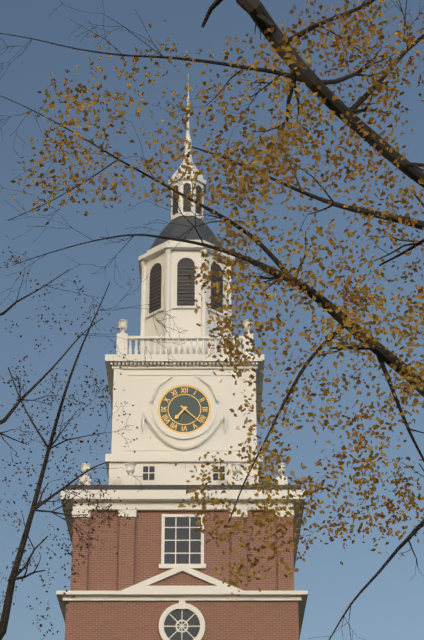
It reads 7,22
